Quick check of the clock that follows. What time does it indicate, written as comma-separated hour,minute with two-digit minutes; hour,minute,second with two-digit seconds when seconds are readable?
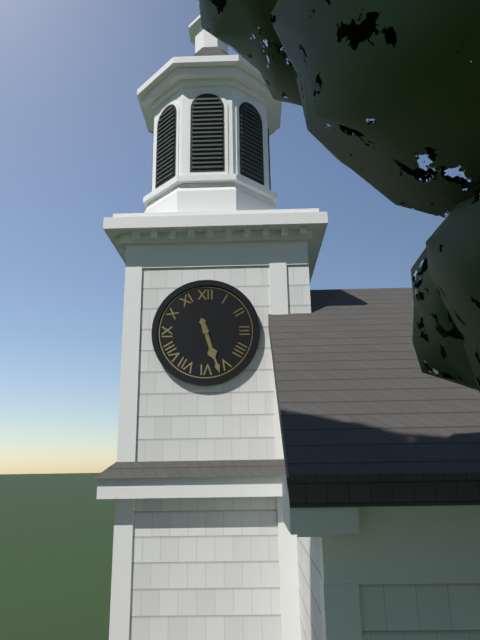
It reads 5,27
